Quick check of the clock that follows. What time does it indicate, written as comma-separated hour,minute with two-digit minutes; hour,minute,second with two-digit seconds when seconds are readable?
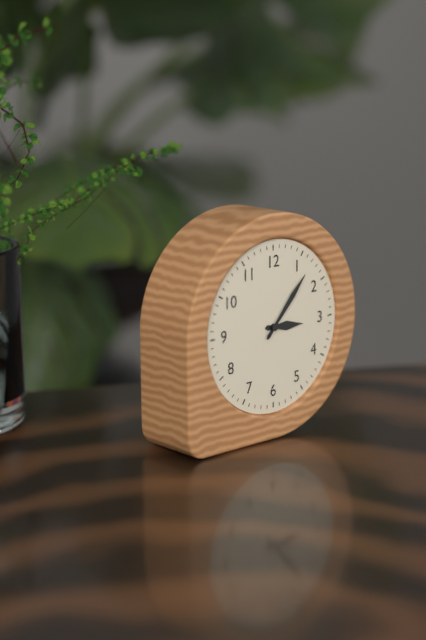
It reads 3,07
